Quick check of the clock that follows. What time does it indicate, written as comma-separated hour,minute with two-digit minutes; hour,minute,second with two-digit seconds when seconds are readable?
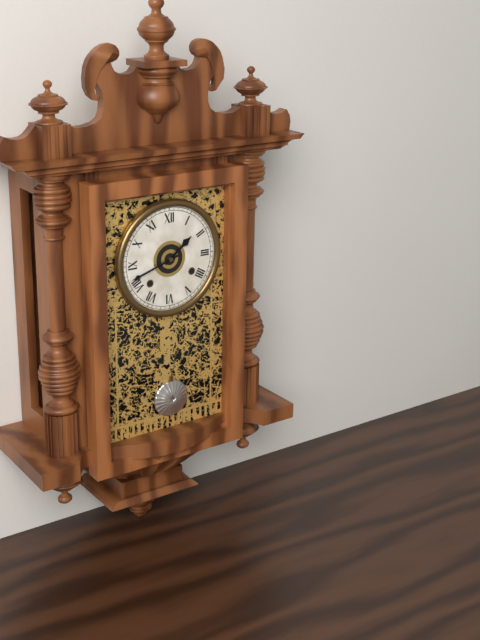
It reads 1,42
